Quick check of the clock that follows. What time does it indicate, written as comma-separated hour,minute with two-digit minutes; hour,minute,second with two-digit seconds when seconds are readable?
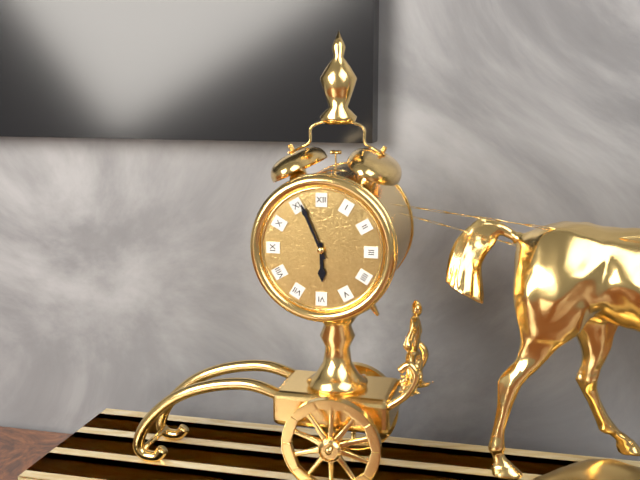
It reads 5,56
